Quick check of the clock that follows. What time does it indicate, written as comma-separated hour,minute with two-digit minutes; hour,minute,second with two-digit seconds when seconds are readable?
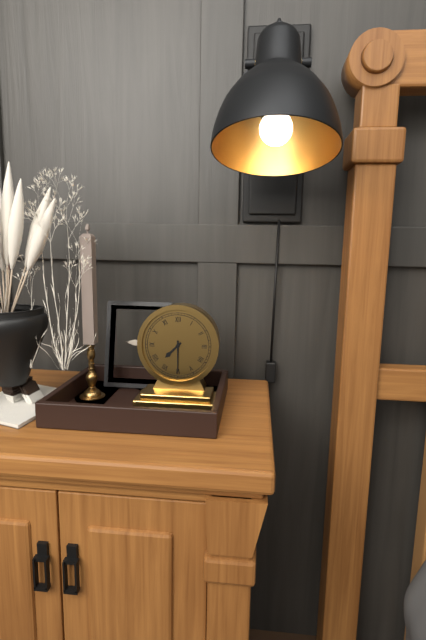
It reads 7,30
